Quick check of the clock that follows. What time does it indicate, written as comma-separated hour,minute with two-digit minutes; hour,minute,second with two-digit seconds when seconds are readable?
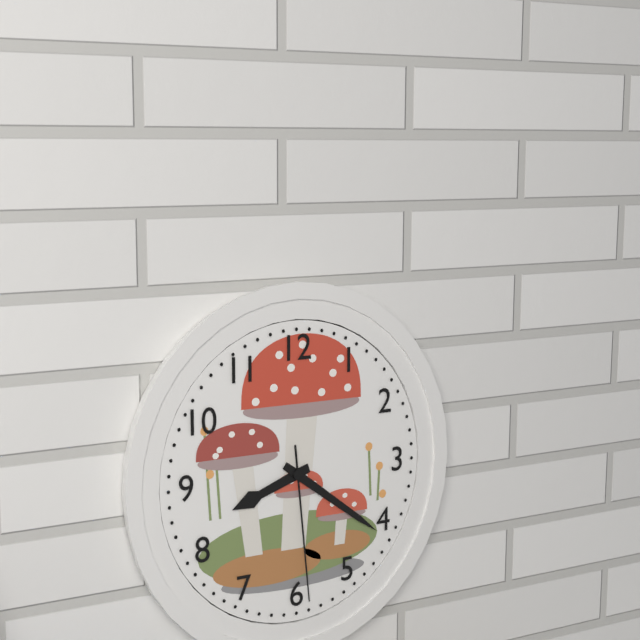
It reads 8,21,29
